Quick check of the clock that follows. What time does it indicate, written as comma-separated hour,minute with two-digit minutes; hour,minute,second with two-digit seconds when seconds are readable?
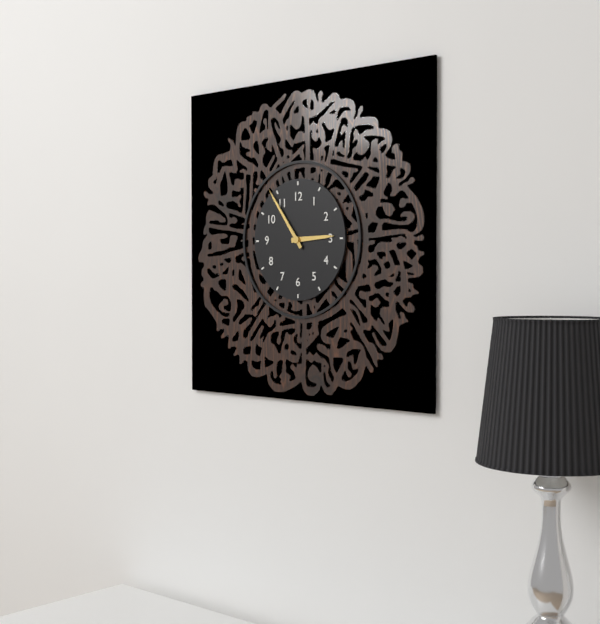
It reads 2,54
